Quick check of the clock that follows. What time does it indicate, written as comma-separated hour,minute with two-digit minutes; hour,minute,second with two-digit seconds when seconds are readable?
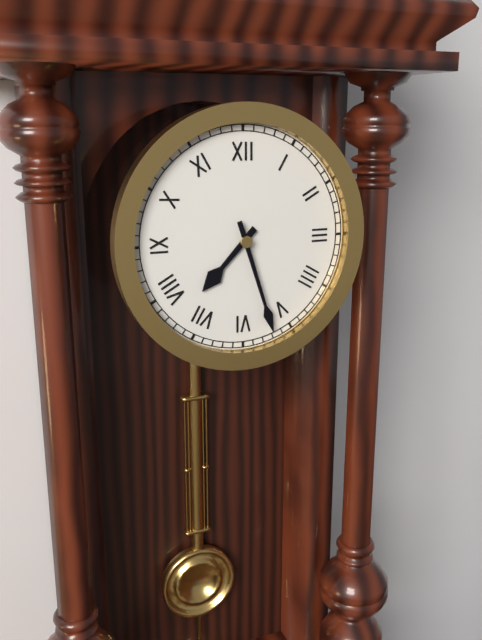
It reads 7,27
